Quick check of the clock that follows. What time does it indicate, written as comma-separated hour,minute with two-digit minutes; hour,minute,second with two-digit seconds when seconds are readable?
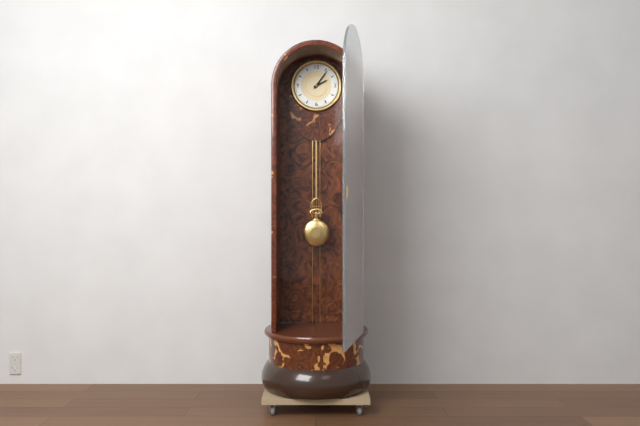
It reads 2,06
